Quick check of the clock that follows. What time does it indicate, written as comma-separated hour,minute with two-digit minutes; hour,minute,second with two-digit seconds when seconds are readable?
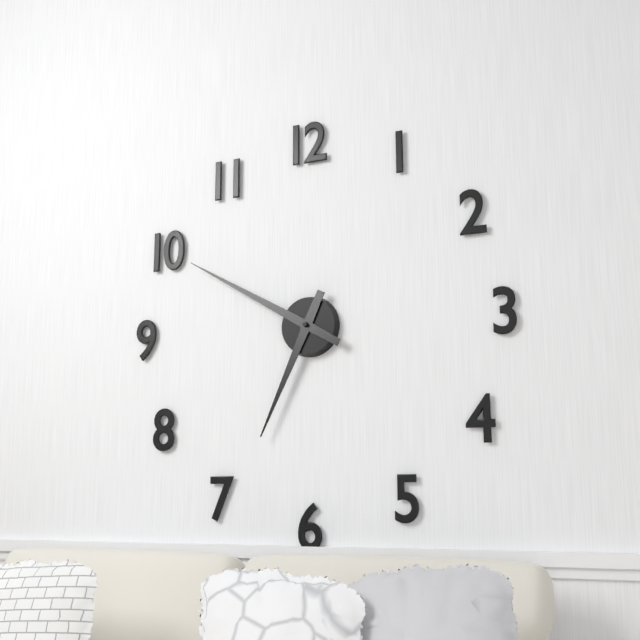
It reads 6,50
